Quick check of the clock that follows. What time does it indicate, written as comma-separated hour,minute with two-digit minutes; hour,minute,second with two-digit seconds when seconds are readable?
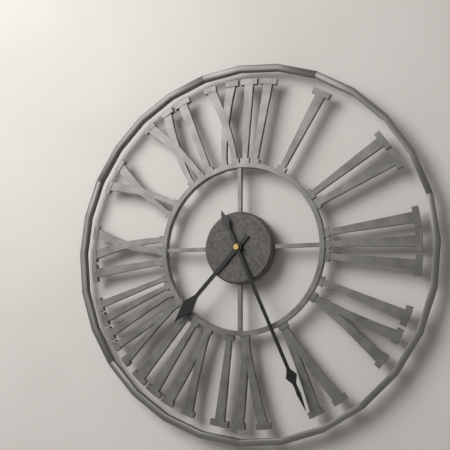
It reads 7,26
